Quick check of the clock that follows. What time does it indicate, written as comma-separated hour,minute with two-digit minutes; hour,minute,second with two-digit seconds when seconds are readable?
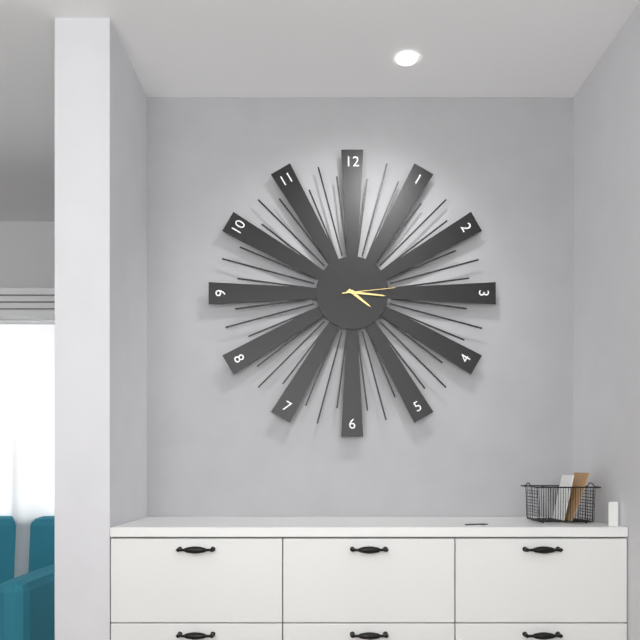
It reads 4,16,14
